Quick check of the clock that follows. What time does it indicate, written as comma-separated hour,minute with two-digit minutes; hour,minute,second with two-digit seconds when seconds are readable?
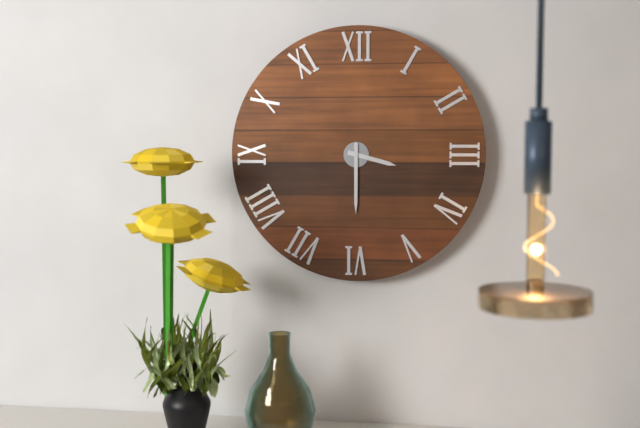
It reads 3,30
